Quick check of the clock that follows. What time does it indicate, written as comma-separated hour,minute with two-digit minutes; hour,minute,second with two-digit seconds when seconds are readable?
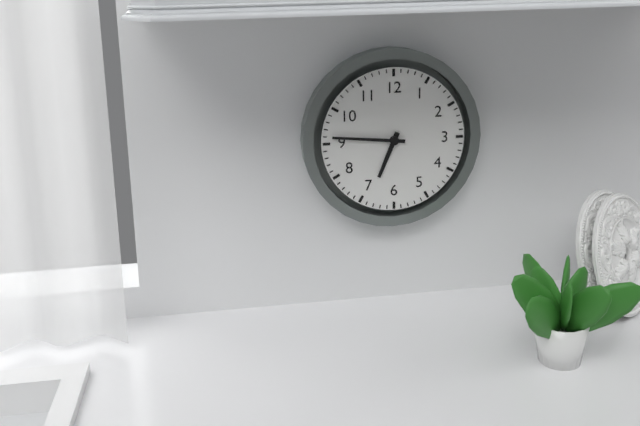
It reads 6,46
